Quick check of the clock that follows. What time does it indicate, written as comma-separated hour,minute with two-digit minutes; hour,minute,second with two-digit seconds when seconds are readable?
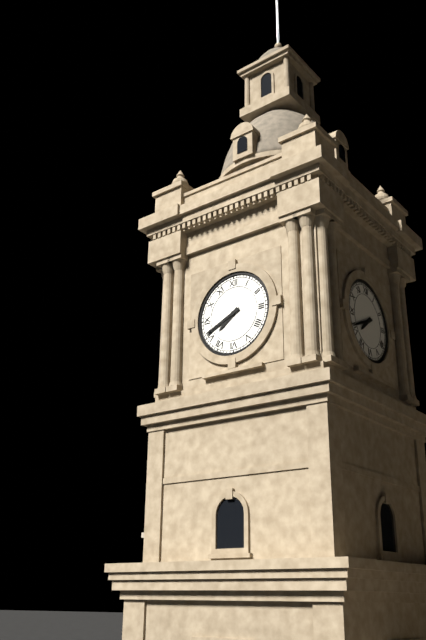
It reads 7,41
